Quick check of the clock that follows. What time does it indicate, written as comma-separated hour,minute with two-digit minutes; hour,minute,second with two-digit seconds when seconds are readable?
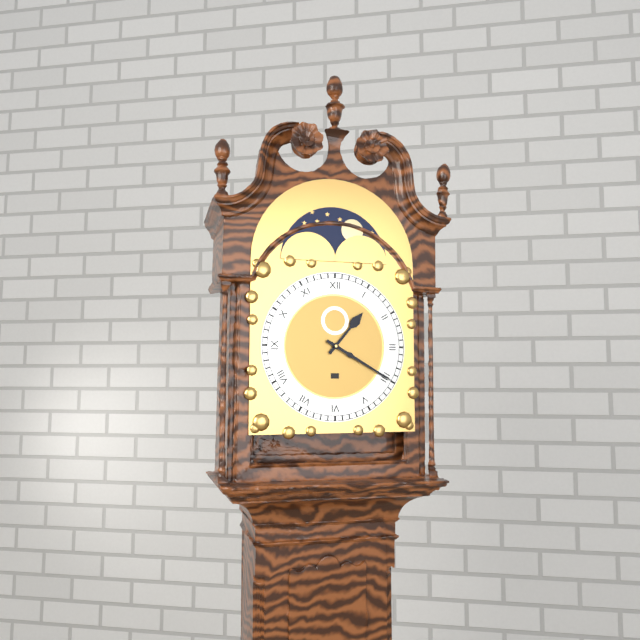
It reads 1,20
